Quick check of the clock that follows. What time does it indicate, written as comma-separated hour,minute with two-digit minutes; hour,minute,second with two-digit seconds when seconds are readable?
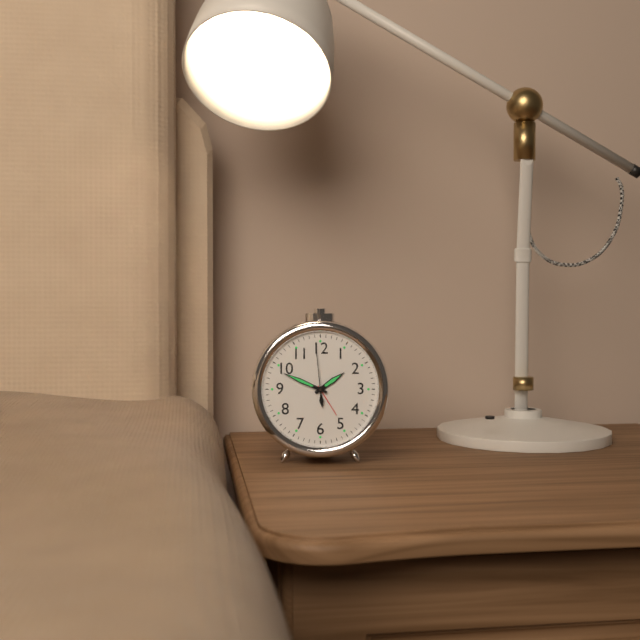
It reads 1,49,59
